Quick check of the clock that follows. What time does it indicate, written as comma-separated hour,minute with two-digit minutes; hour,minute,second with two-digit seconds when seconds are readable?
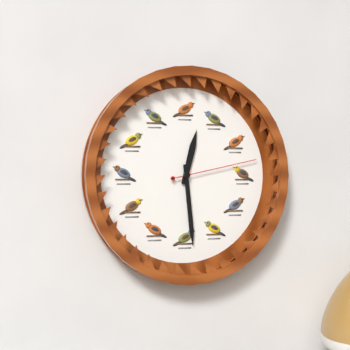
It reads 12,29,13
